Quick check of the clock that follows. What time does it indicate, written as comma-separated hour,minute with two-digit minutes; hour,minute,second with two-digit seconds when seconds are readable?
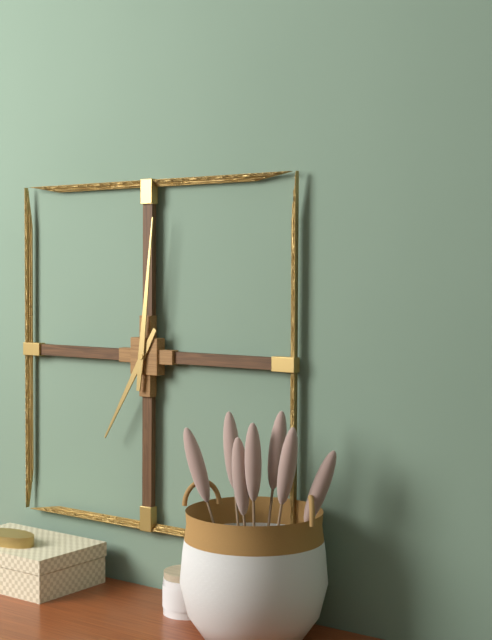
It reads 7,01
